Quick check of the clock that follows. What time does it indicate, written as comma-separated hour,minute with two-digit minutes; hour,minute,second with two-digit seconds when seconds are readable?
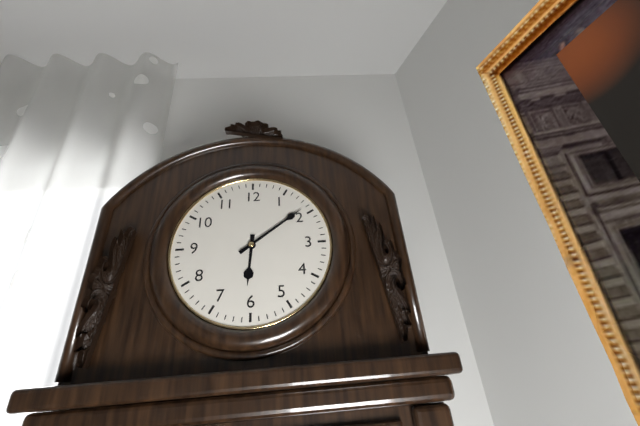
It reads 6,09
